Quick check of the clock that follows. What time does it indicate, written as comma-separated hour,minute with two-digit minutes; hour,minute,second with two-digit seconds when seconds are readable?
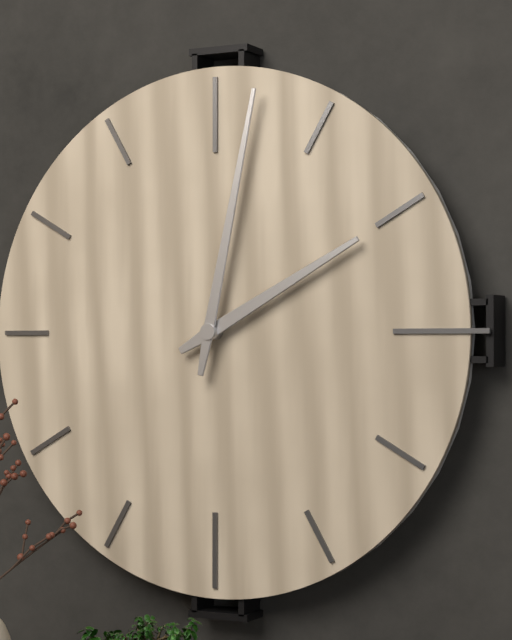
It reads 2,02
